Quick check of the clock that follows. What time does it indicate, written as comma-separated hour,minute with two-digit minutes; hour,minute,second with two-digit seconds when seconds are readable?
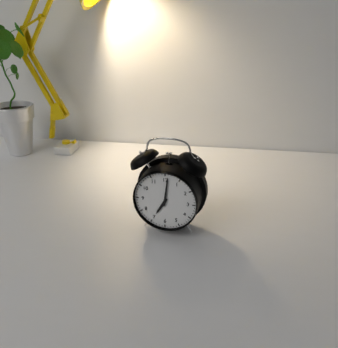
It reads 7,01
